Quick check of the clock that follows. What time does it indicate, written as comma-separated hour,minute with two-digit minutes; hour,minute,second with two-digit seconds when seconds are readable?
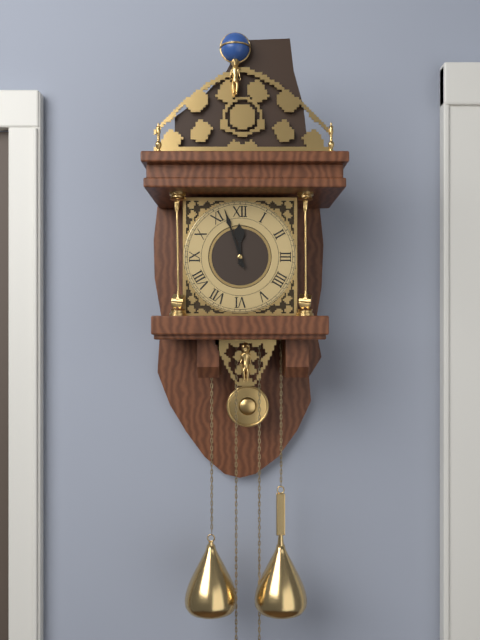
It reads 11,57
